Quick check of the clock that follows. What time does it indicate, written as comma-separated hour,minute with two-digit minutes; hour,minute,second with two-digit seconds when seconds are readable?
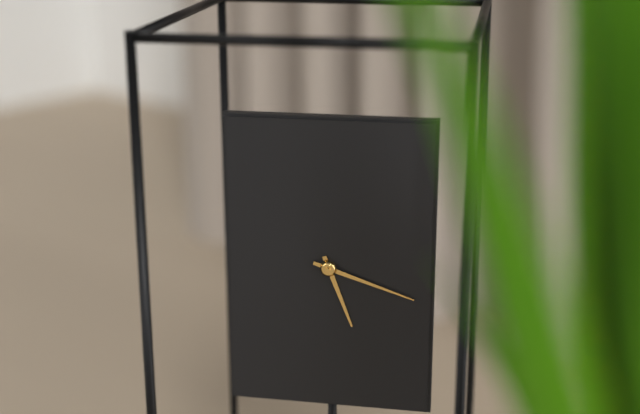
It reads 5,18
